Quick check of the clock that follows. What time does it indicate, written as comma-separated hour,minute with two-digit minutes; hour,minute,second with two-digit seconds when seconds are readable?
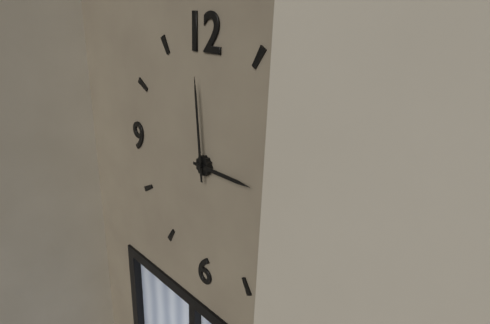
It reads 2,59
